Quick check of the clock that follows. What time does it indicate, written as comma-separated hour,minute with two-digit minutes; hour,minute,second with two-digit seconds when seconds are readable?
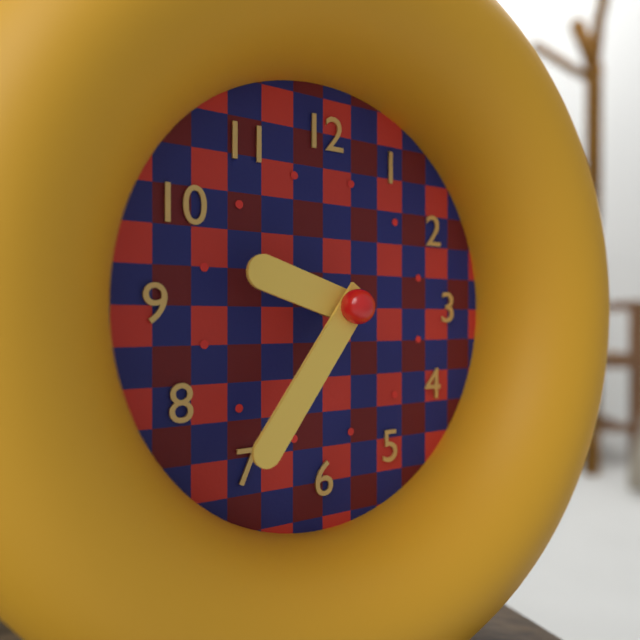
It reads 9,36
